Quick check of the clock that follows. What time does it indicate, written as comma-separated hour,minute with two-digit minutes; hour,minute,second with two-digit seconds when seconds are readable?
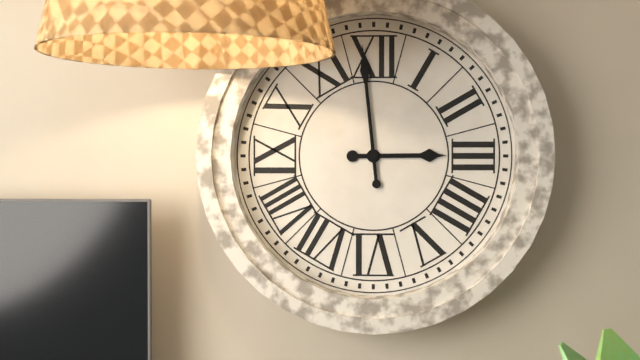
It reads 2,59
